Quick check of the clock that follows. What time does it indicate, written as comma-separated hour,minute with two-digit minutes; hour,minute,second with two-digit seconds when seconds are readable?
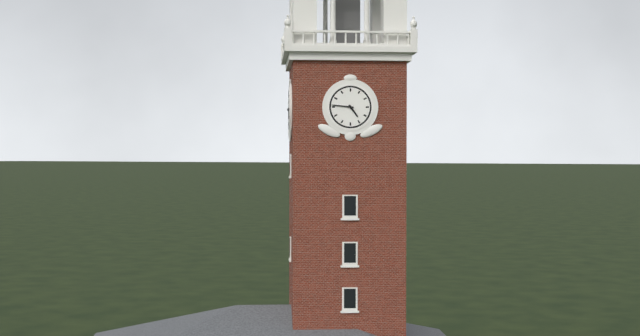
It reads 4,46
